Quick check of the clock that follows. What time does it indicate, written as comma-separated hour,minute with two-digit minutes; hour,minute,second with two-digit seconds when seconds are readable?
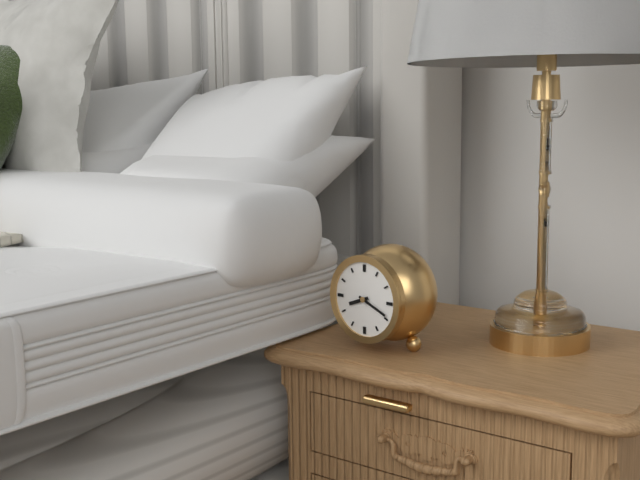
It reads 8,19
